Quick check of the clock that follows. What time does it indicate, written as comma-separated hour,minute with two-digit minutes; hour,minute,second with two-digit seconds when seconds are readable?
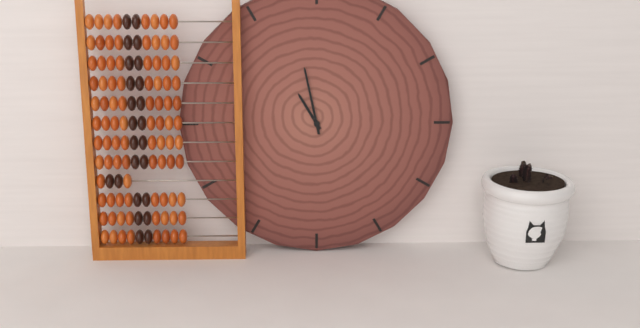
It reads 10,58
